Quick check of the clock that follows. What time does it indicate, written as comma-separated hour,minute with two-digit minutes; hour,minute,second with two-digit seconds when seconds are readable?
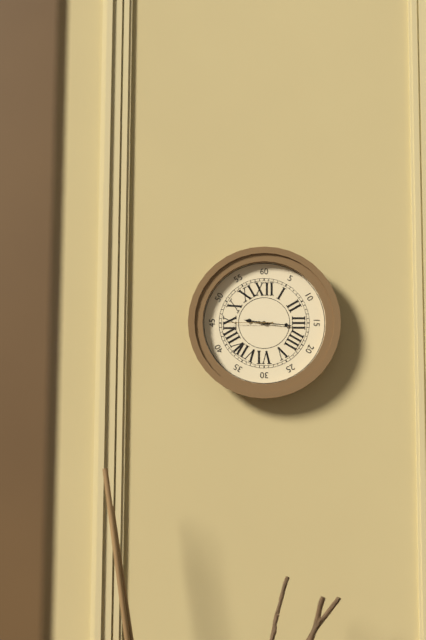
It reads 9,16
